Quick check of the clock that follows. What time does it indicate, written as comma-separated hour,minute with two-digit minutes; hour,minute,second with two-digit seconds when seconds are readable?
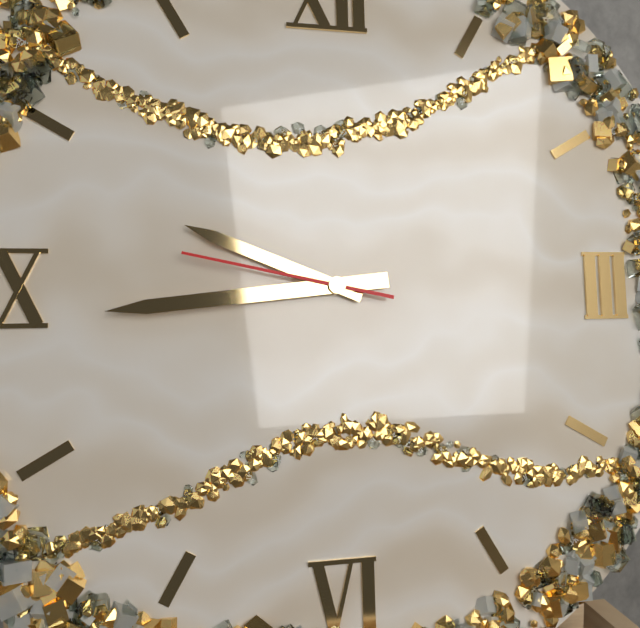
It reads 9,44,47
